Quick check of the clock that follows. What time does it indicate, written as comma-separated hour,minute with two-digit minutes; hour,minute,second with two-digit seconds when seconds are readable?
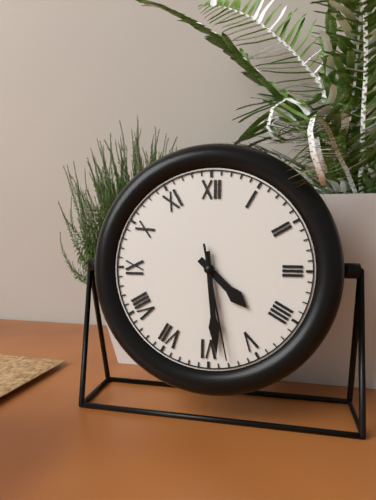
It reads 4,29,28
